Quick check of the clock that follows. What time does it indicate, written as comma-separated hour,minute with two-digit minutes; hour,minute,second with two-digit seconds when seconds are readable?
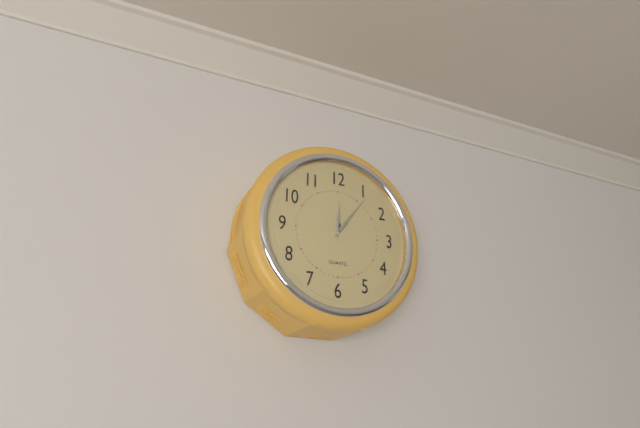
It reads 12,06
